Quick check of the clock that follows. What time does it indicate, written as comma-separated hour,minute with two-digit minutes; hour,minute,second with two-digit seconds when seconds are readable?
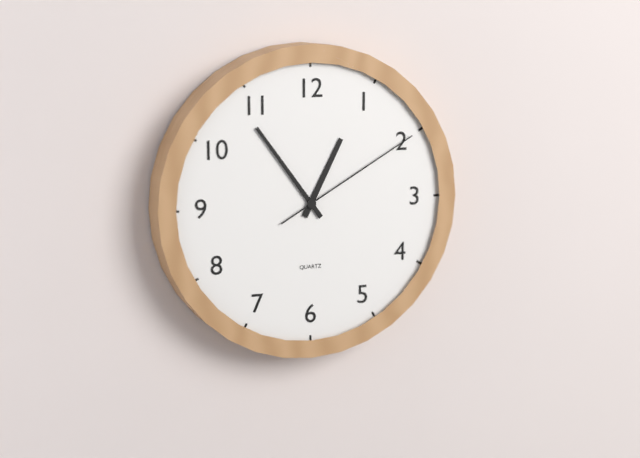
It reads 12,54,10
